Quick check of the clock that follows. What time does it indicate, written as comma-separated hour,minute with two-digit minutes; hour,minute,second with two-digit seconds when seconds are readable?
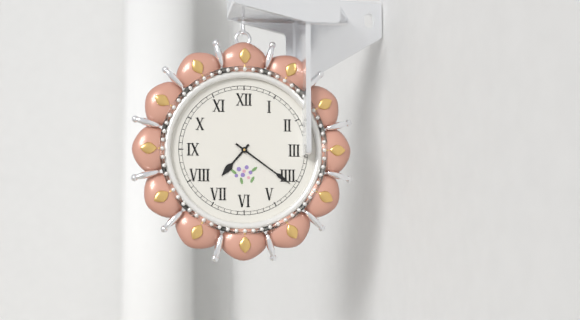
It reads 7,21
